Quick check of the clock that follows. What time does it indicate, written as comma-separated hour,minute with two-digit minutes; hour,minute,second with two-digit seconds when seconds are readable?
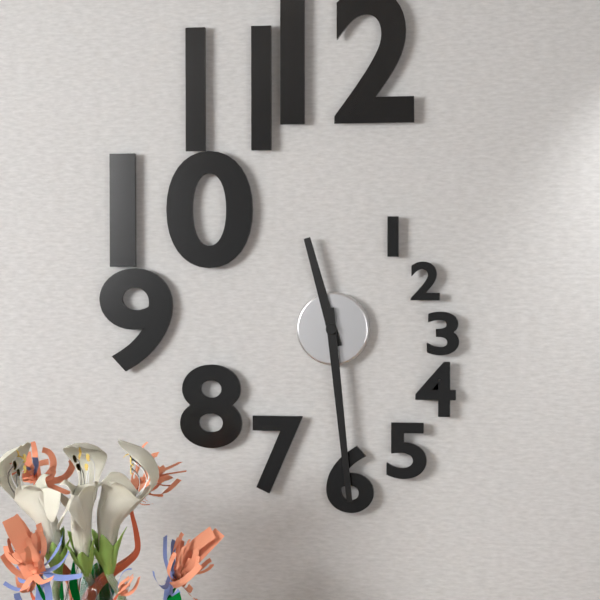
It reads 11,29
